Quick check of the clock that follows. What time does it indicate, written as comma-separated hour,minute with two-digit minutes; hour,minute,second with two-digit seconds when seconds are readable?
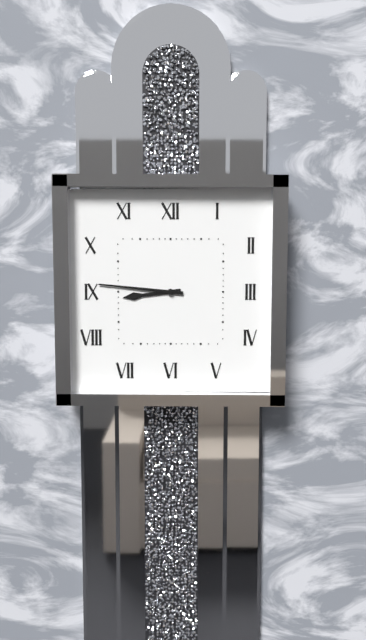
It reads 8,46
